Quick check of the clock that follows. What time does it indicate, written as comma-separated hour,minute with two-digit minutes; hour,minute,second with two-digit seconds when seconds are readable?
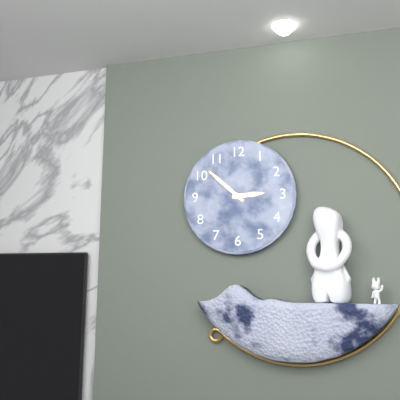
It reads 2,52
